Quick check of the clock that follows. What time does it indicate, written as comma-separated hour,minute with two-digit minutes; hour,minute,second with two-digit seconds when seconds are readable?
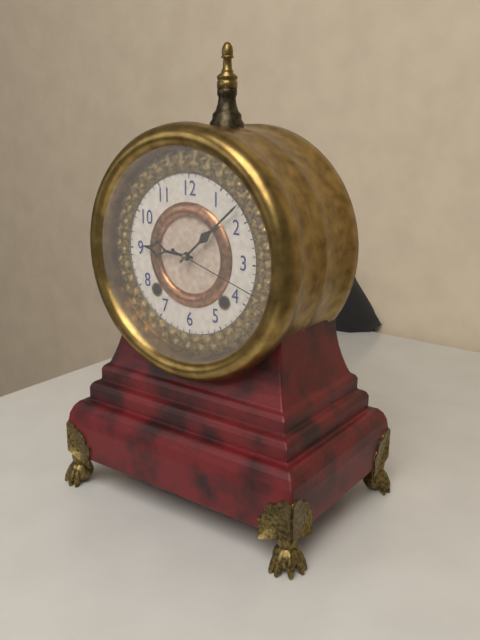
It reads 9,08,18
